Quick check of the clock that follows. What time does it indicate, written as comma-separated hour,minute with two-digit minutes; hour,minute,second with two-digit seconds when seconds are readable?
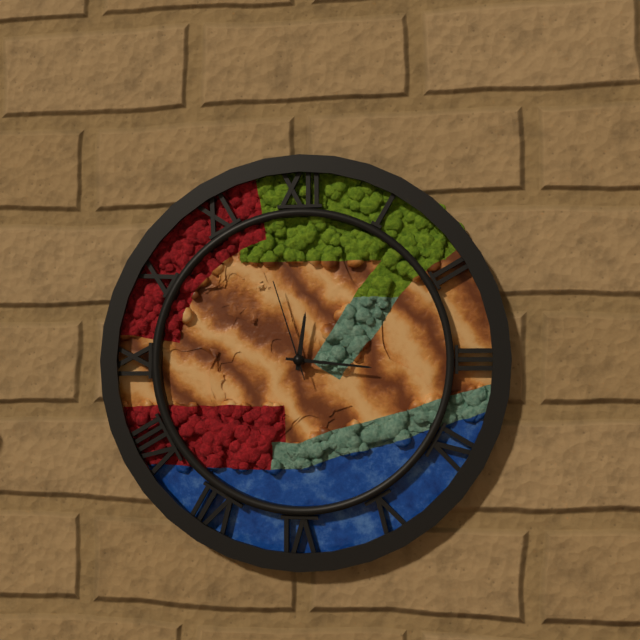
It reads 12,16,57
